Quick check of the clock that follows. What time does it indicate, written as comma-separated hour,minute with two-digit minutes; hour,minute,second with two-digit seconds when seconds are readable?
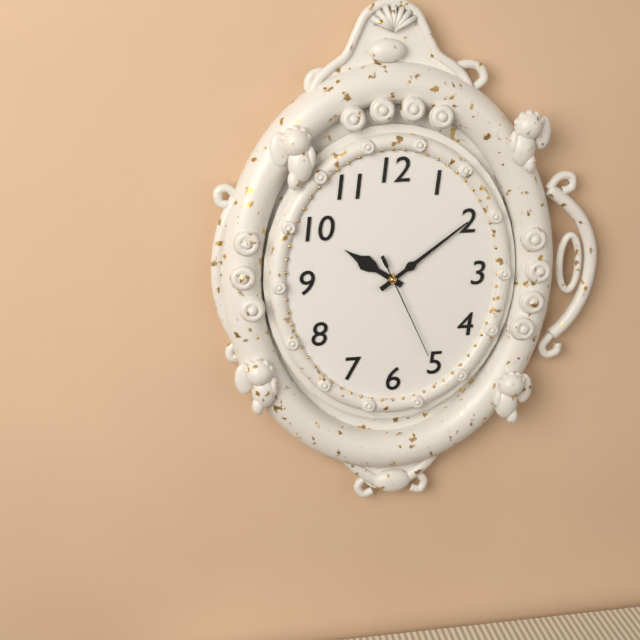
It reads 10,09,26
